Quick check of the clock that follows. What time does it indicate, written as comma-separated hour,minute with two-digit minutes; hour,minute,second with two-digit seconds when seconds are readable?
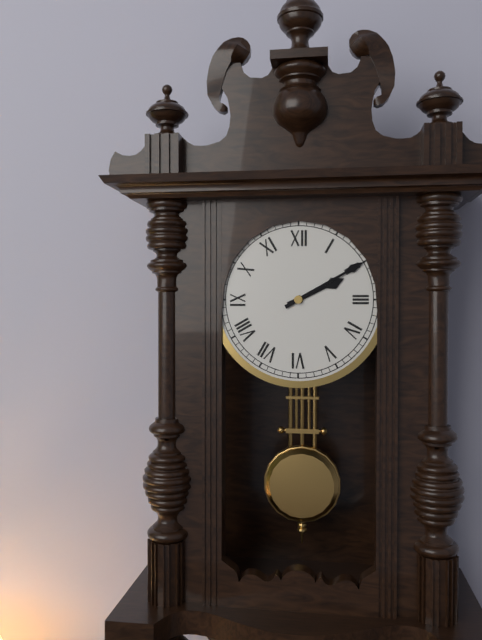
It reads 2,10
